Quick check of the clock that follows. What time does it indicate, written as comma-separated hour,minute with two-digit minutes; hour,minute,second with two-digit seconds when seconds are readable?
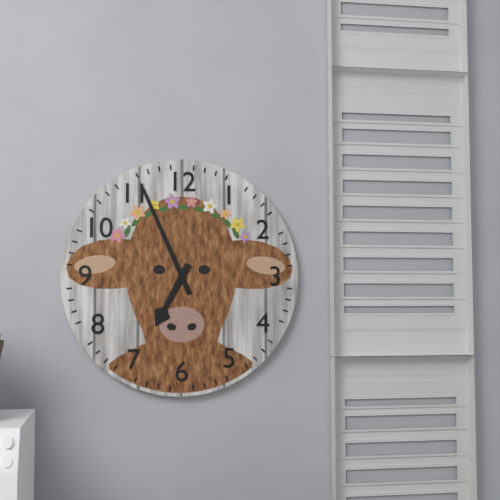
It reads 6,56
